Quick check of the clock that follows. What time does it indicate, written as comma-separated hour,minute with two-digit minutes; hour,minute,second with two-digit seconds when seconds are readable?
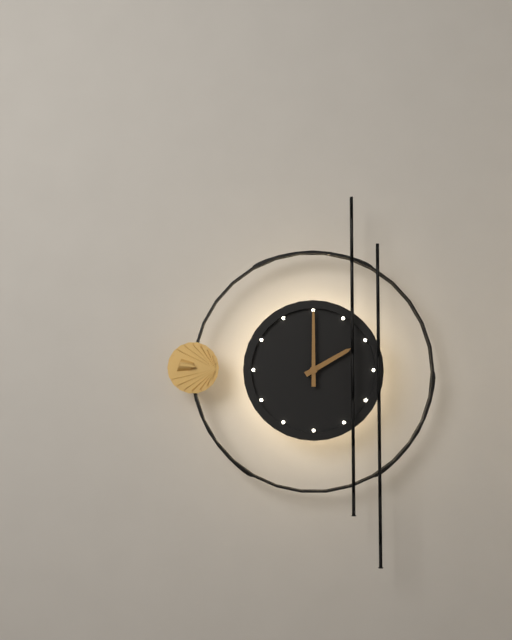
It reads 2,00
